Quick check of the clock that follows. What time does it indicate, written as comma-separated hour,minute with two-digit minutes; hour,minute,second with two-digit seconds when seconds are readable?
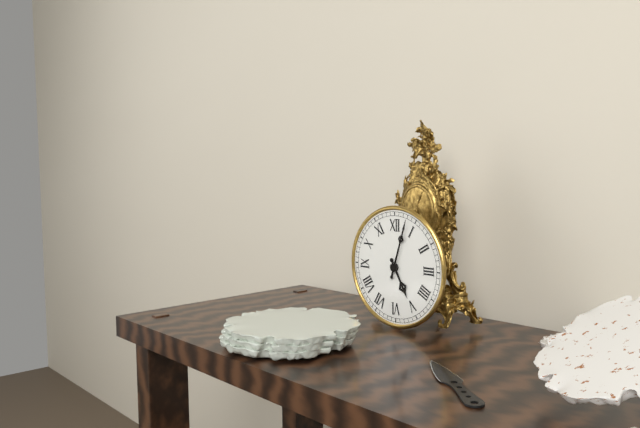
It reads 5,03
